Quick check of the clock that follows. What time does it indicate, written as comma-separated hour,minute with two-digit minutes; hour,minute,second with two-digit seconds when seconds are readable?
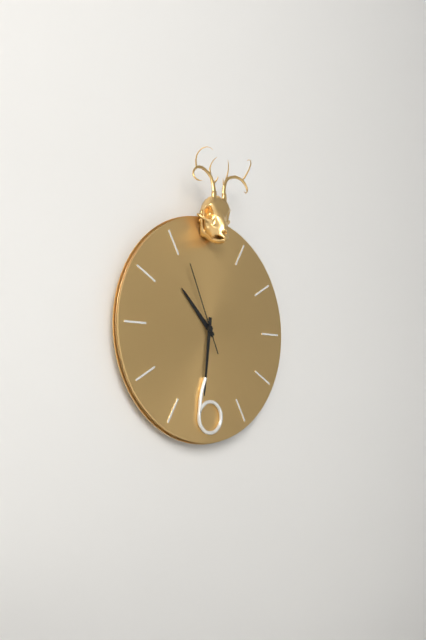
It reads 10,31,56
